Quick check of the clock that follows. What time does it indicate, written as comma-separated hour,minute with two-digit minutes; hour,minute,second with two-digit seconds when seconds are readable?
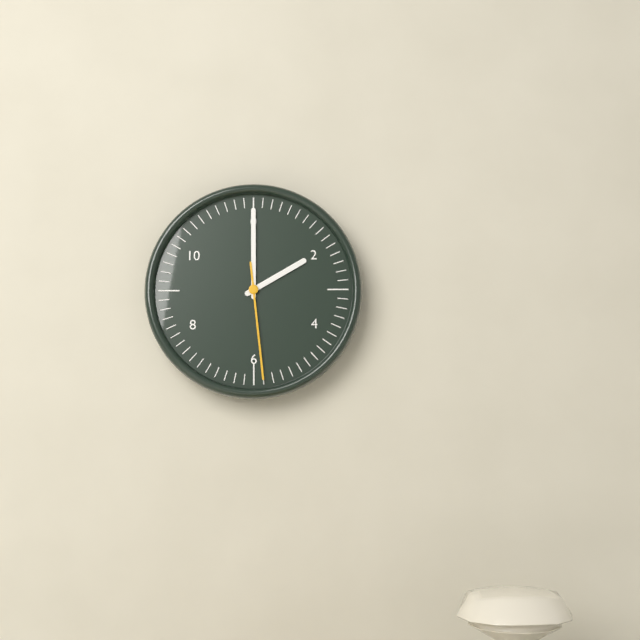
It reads 2,00,29
